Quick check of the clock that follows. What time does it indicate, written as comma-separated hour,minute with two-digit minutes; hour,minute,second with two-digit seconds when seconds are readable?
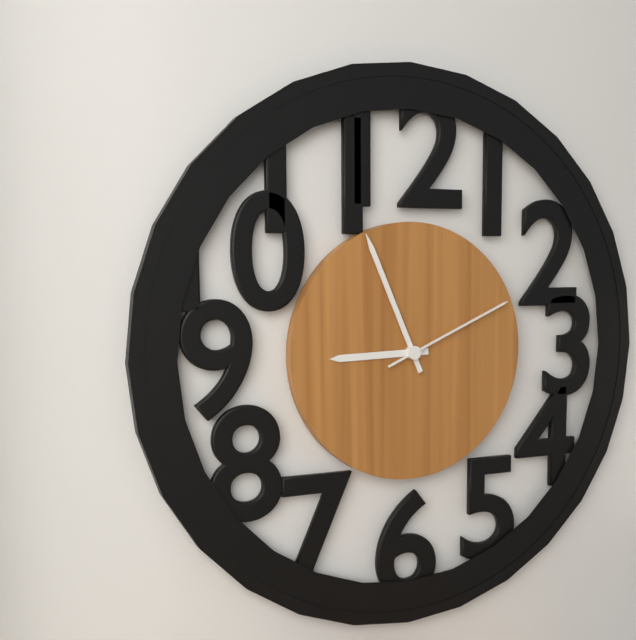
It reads 8,56,11
